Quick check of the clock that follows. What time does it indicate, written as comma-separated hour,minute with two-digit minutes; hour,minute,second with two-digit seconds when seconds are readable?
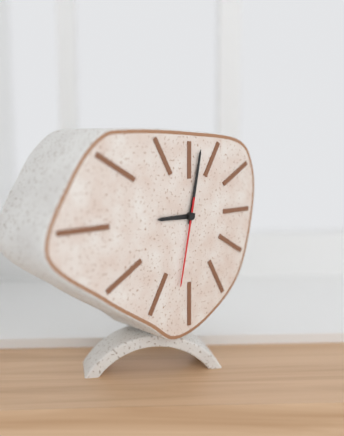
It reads 9,02,32
